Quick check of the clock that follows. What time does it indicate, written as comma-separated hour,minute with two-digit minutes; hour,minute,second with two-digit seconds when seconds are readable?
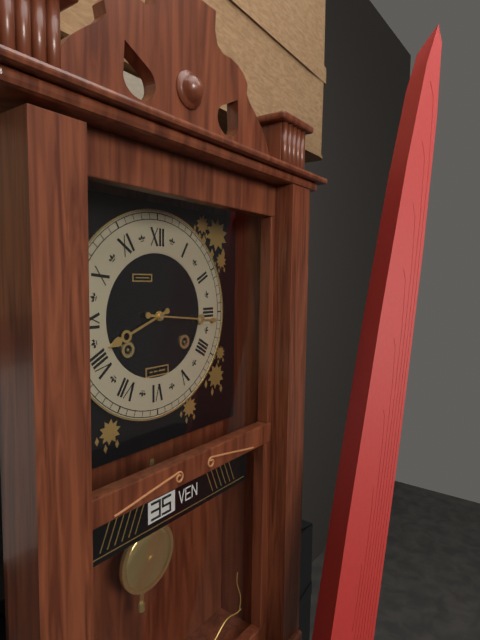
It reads 8,16
